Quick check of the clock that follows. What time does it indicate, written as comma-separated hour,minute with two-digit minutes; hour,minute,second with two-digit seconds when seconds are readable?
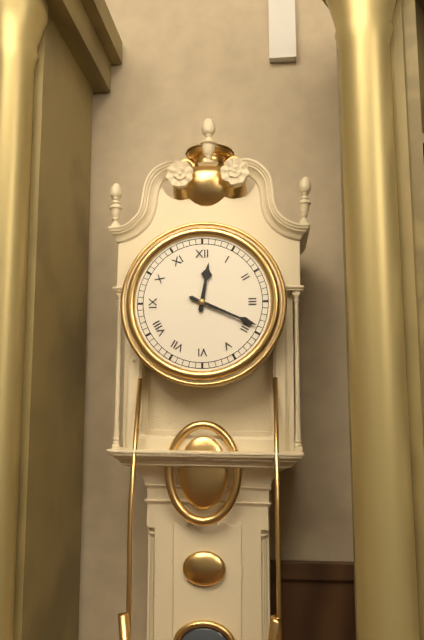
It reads 12,19
